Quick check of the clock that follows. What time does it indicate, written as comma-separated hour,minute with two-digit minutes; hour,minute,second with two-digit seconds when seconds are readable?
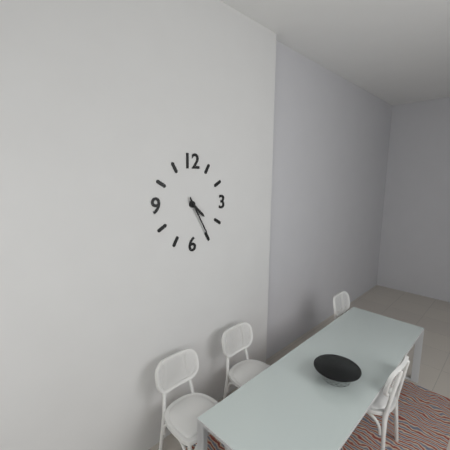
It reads 4,25
